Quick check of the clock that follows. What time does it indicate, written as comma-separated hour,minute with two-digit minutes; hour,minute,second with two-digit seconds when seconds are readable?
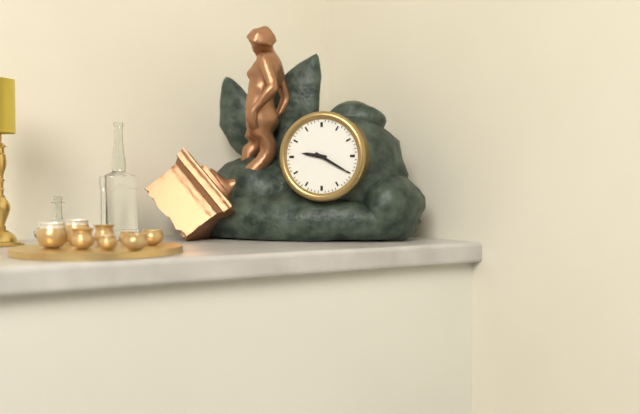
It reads 9,20
